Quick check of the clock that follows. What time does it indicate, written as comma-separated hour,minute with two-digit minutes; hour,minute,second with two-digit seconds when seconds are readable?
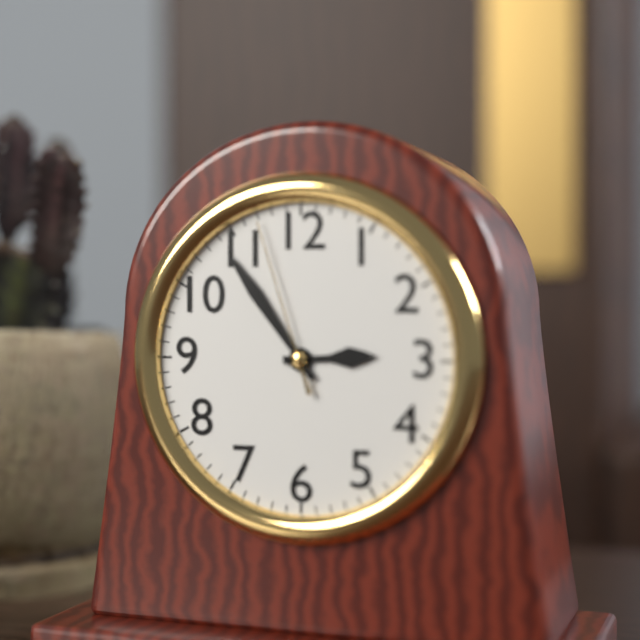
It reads 2,54,57
